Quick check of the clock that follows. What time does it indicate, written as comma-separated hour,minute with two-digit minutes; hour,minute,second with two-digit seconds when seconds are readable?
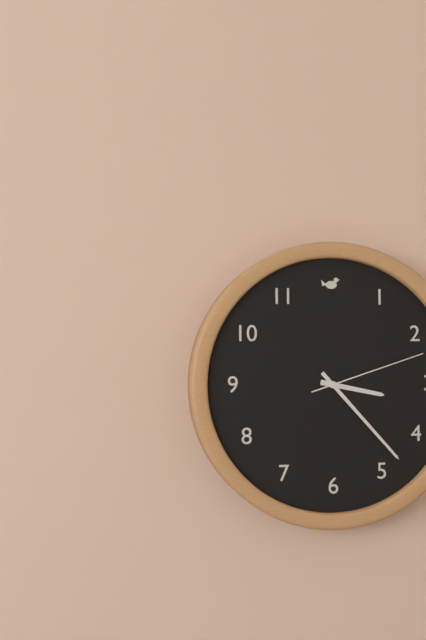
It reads 3,23,12
